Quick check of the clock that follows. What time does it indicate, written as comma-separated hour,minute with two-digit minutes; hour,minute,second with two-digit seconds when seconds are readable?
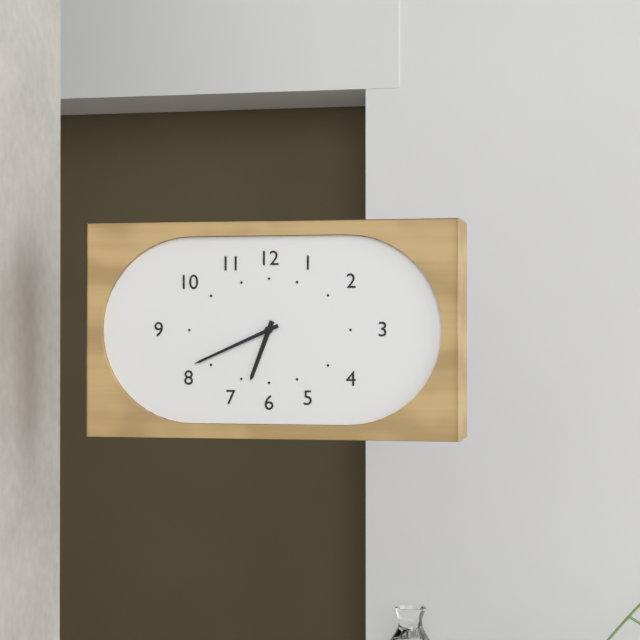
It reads 6,41
